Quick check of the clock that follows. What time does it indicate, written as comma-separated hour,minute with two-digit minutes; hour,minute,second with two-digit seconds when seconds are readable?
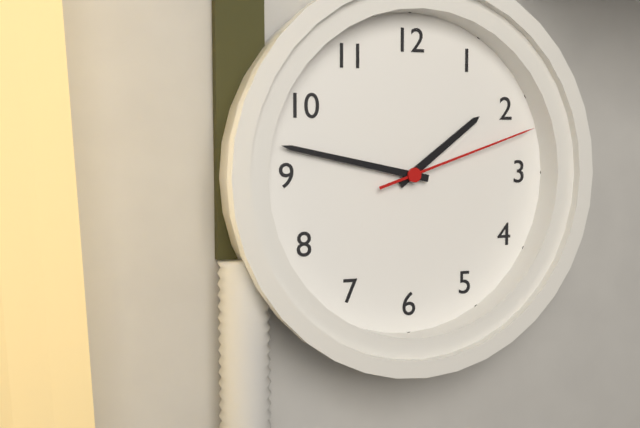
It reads 1,47,12
